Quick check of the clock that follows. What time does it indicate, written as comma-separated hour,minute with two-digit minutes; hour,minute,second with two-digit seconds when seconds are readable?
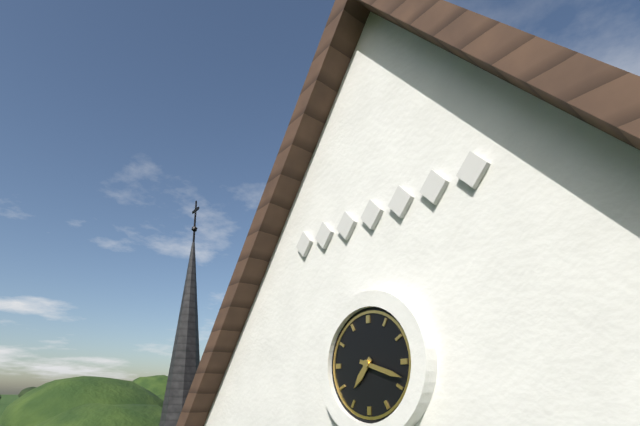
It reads 7,18
